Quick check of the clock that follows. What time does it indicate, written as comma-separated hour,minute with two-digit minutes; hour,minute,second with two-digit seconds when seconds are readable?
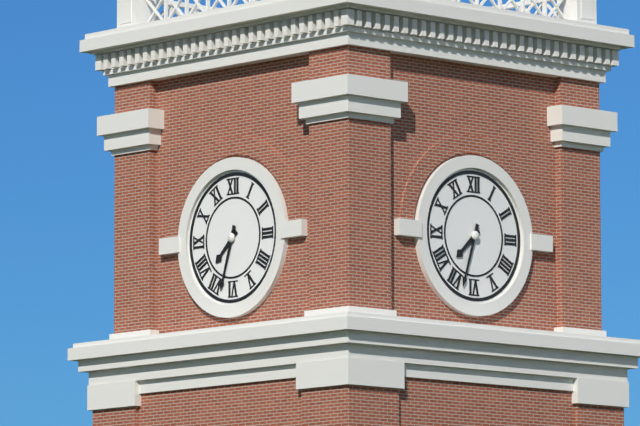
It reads 7,33
